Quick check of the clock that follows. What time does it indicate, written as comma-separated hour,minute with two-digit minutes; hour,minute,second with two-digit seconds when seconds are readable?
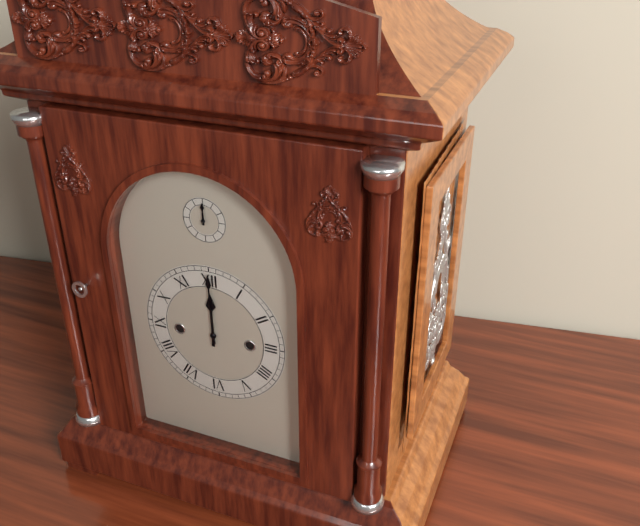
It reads 12,00
